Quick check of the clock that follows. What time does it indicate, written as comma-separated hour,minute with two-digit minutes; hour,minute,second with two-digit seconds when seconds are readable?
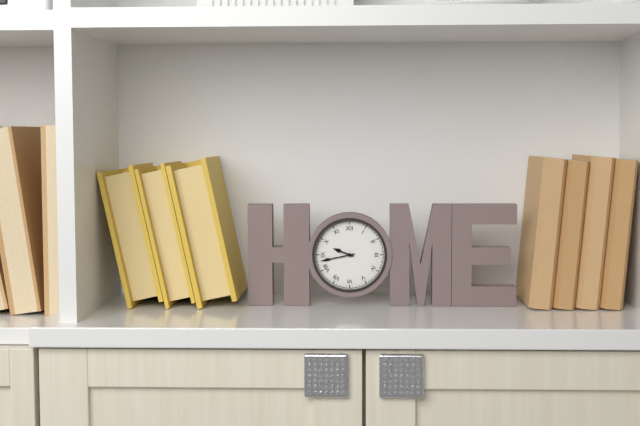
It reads 9,43
